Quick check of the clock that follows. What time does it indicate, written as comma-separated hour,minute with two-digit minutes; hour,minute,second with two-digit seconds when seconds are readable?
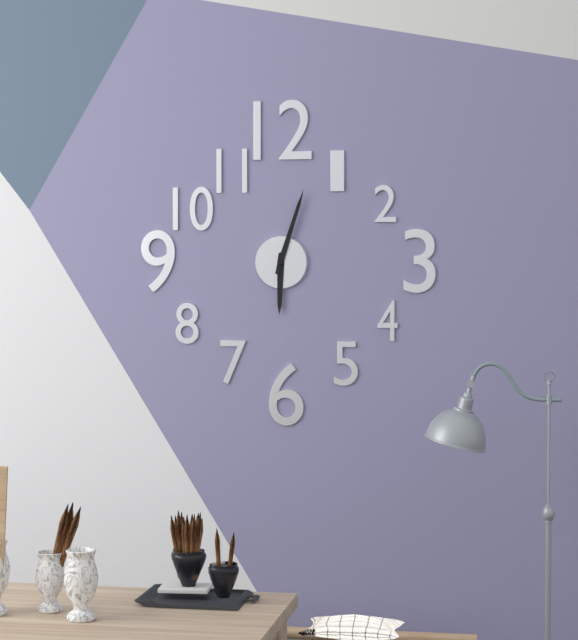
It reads 6,03
